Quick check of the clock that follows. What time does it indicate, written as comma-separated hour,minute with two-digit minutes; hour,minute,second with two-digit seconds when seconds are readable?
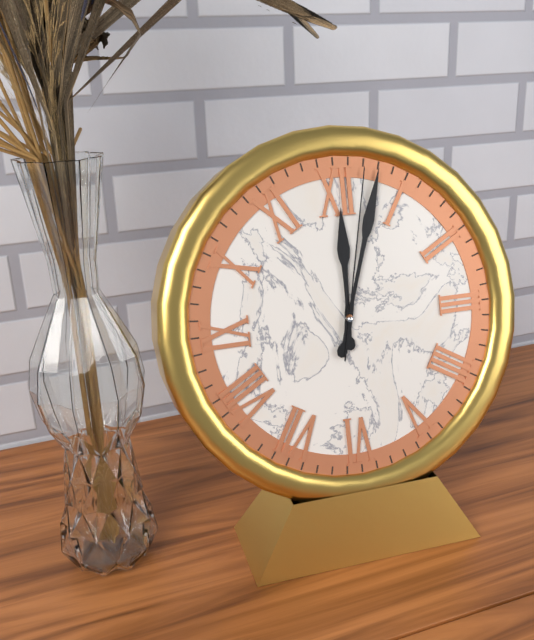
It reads 12,03,02
